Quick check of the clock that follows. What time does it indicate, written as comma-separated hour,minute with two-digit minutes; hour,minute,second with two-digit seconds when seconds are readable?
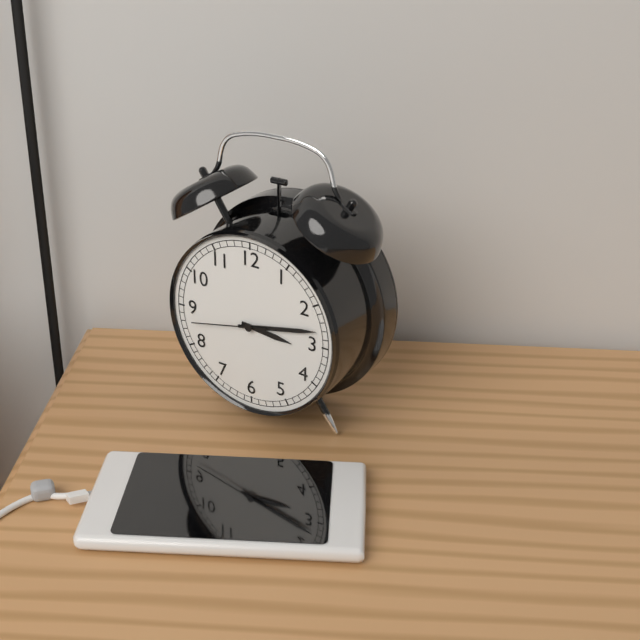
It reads 3,13,43
